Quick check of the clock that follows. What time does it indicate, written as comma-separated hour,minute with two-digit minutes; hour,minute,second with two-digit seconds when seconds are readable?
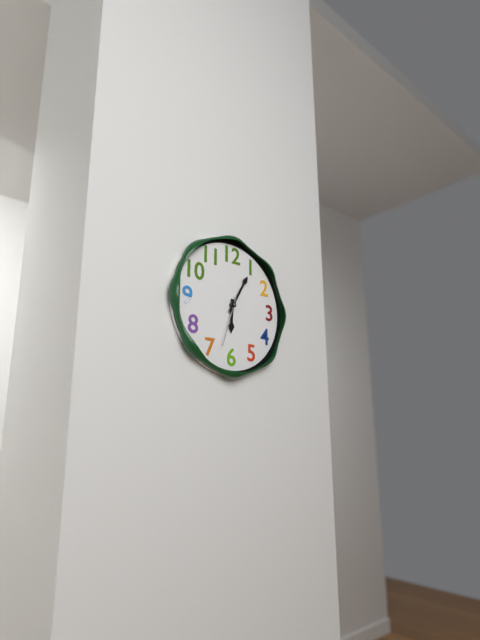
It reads 6,05,33
